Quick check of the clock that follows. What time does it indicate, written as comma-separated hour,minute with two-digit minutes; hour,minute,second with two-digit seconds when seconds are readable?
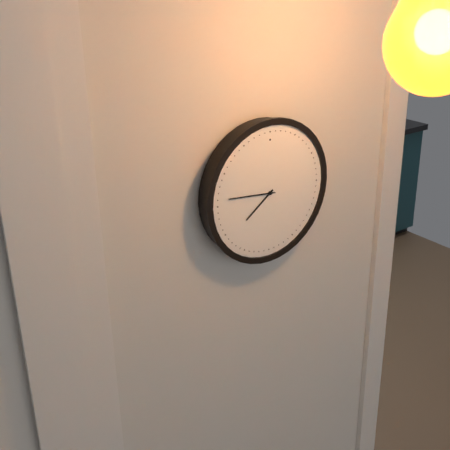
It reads 7,46
